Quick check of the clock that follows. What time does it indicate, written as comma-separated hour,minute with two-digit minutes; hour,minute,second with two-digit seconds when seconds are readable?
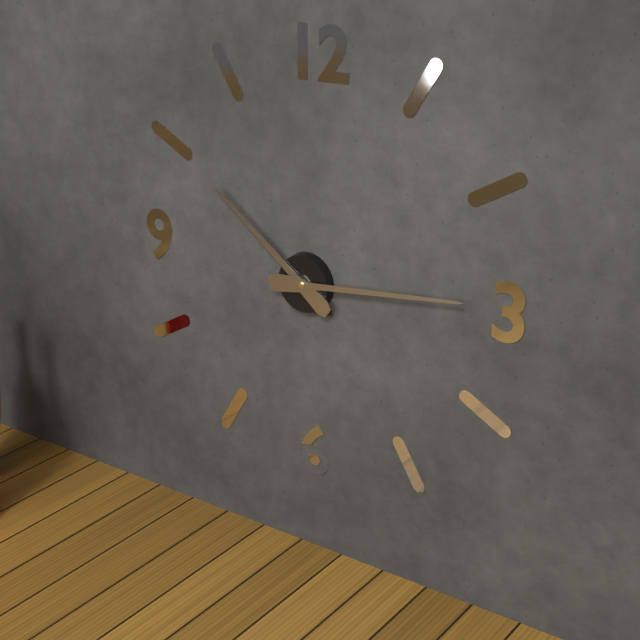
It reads 10,14
